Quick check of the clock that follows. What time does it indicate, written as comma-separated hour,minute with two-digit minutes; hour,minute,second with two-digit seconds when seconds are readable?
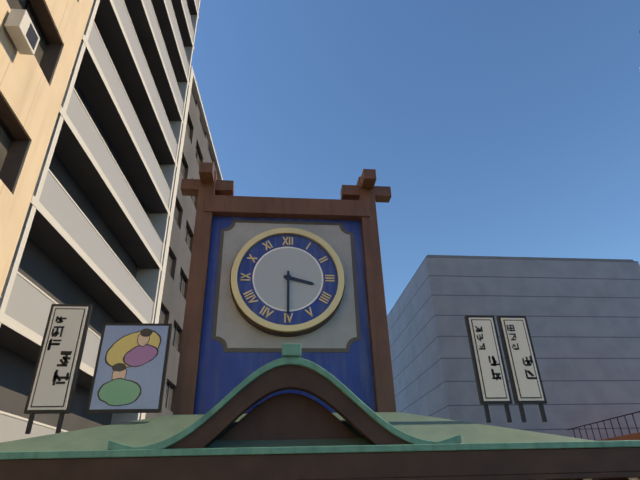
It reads 3,30
